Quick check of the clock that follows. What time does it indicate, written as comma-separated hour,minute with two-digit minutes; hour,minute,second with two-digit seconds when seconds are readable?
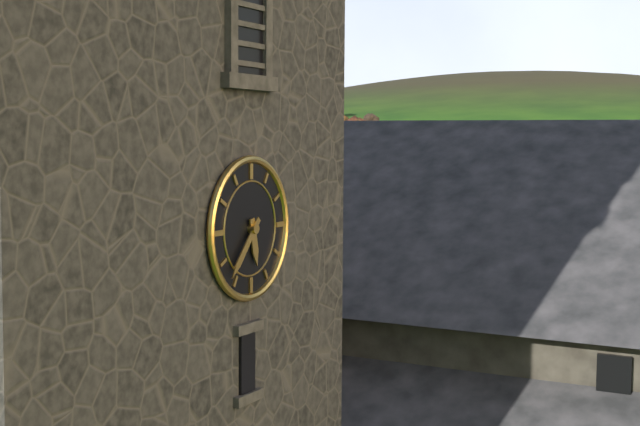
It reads 5,37
